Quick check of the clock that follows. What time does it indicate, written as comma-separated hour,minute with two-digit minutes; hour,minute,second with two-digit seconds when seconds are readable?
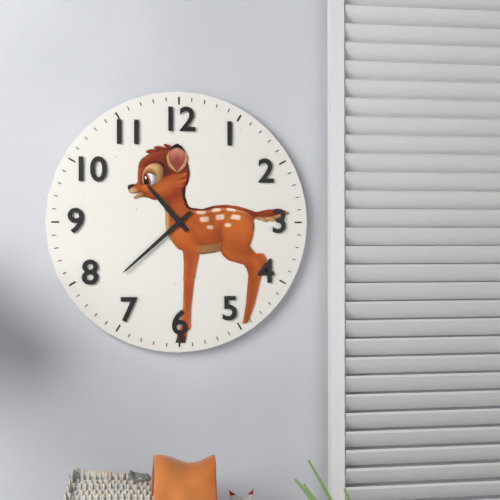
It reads 10,38
